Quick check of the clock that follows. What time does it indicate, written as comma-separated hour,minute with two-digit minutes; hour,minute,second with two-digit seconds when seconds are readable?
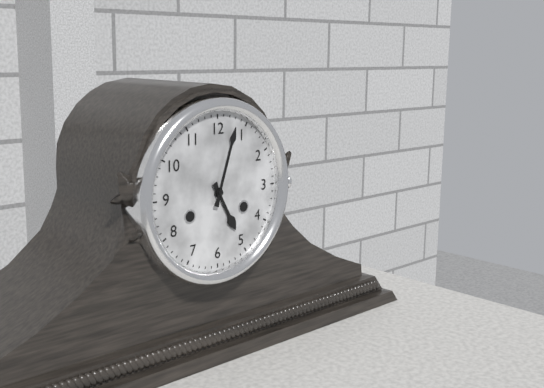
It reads 5,03
